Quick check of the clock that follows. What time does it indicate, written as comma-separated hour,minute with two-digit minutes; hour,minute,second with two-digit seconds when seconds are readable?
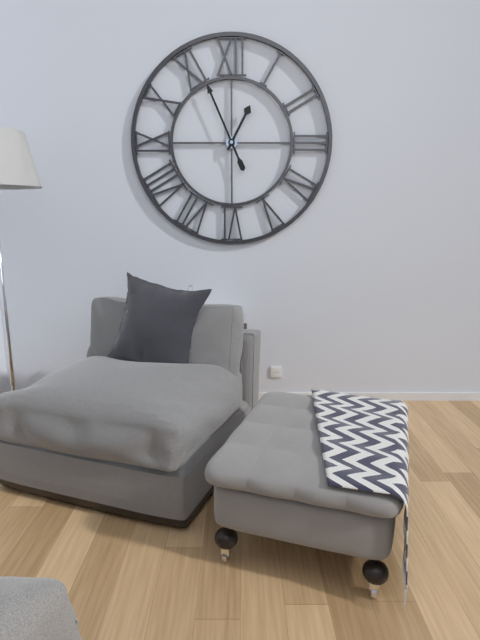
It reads 12,56
